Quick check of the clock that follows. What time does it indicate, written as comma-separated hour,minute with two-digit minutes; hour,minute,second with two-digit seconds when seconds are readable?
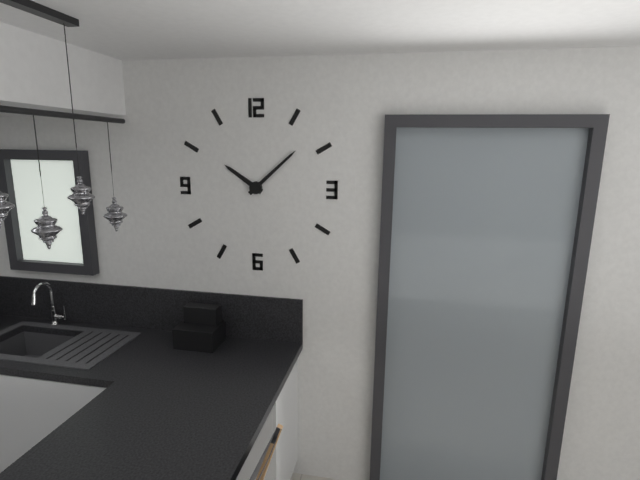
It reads 10,08
